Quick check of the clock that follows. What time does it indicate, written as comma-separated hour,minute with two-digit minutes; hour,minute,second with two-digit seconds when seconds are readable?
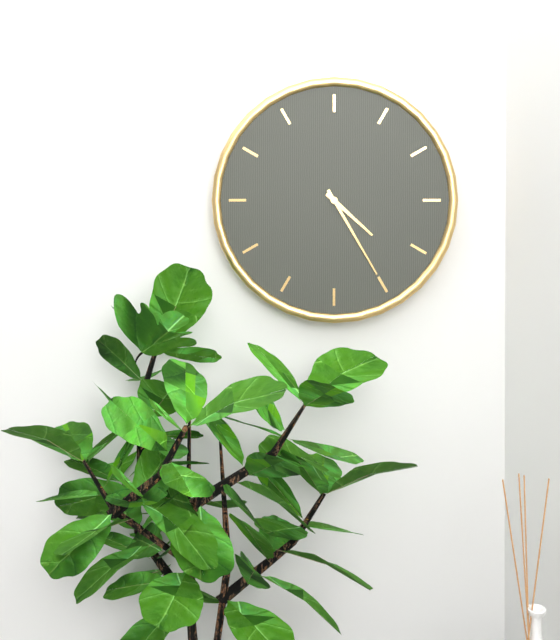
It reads 4,25
